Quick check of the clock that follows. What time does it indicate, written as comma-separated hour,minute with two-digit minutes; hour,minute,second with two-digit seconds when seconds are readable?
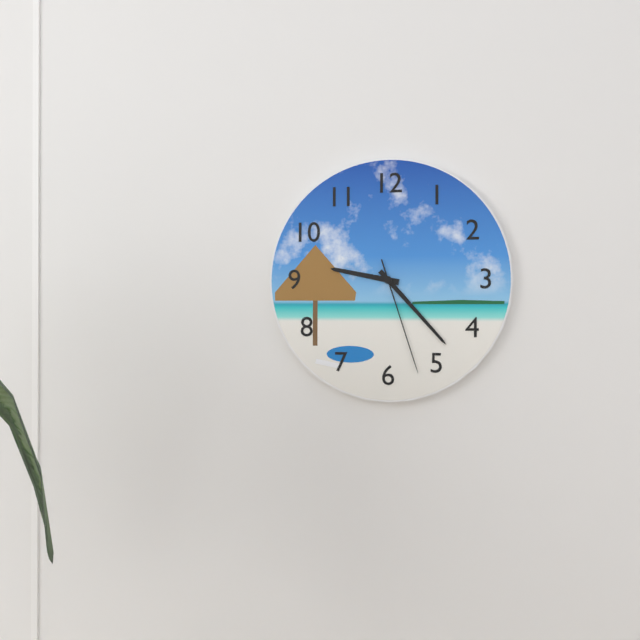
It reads 9,23,27
